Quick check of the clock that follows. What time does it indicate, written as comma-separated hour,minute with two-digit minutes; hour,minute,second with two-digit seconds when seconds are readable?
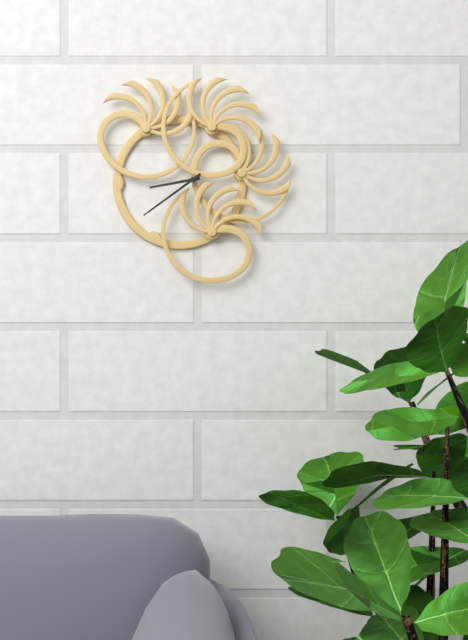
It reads 8,39
